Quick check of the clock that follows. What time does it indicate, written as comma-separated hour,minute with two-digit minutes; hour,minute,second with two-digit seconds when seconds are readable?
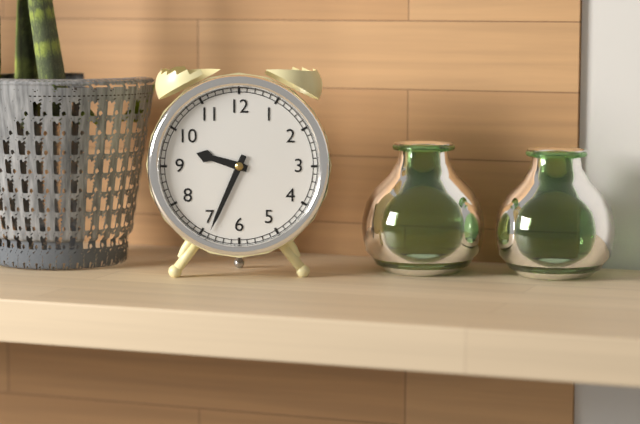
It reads 9,34
